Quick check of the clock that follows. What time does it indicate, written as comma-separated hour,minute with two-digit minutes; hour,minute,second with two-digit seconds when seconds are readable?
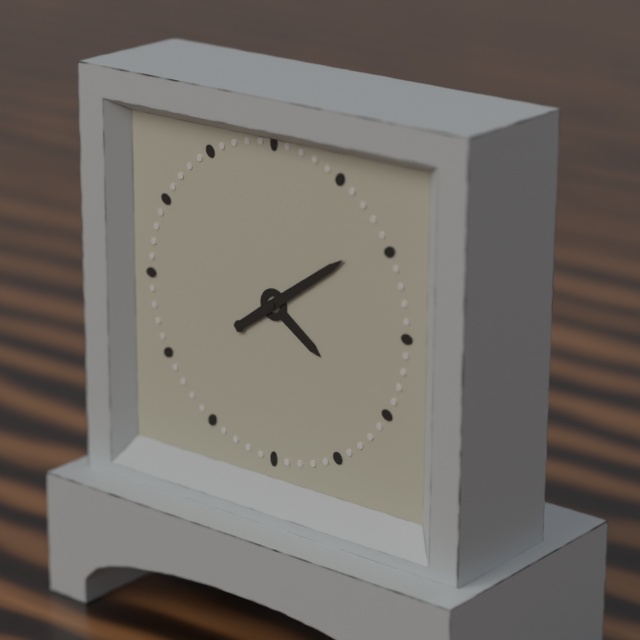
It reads 4,09
